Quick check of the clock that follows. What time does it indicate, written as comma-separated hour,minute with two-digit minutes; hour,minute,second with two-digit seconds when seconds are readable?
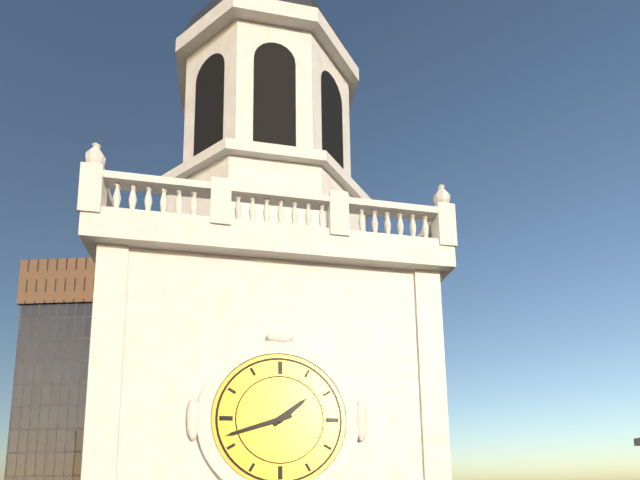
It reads 1,42
